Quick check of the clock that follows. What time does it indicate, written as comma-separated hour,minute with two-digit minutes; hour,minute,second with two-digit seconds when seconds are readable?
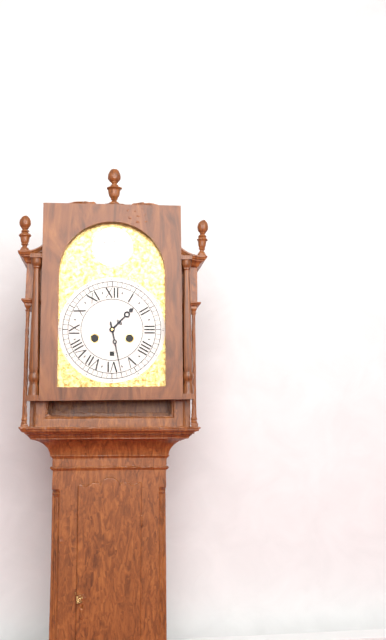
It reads 1,28
